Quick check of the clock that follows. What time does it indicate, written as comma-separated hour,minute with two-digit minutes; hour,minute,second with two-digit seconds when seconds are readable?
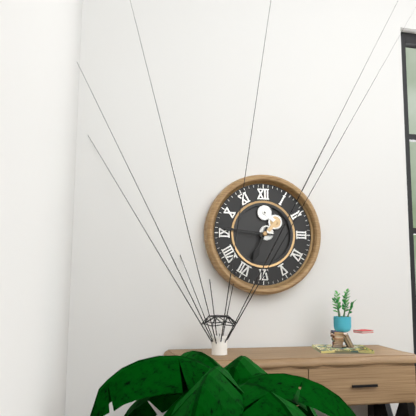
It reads 6,46
